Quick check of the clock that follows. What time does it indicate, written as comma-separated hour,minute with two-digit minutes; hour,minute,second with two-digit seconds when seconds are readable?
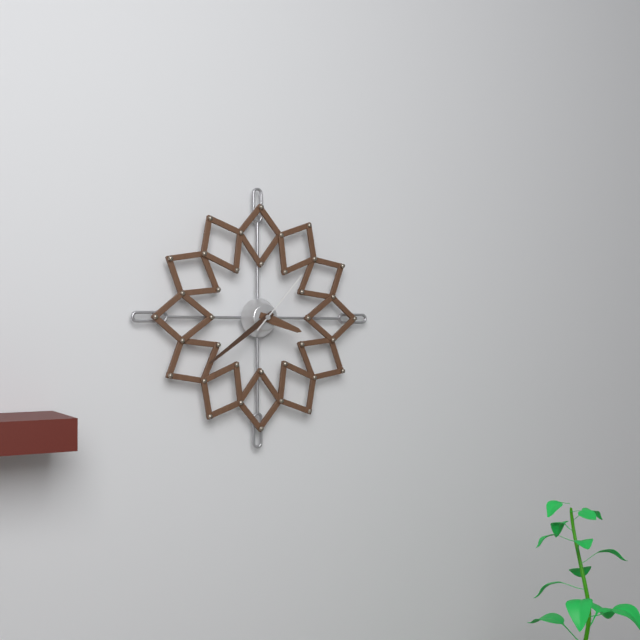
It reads 3,39,07
